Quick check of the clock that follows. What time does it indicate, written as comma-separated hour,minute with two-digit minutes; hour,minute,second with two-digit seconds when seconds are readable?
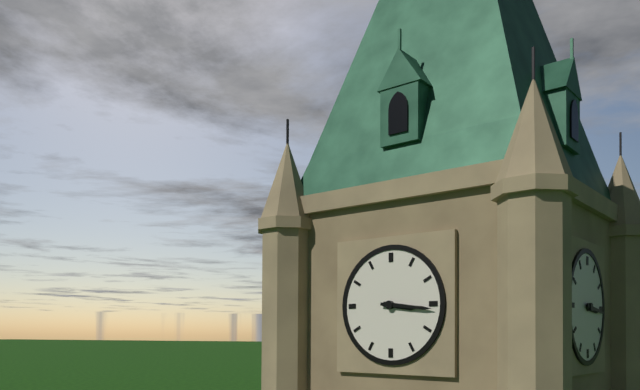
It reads 3,16
